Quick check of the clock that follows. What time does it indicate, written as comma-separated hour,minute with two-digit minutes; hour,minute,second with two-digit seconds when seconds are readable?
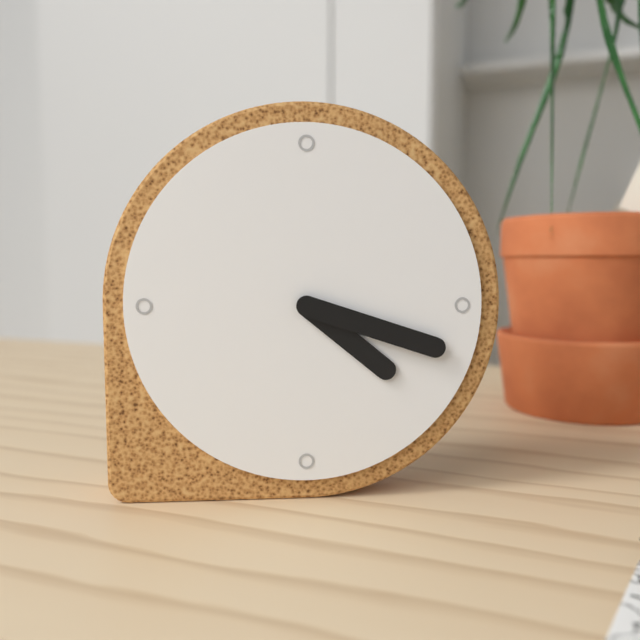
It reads 4,18
